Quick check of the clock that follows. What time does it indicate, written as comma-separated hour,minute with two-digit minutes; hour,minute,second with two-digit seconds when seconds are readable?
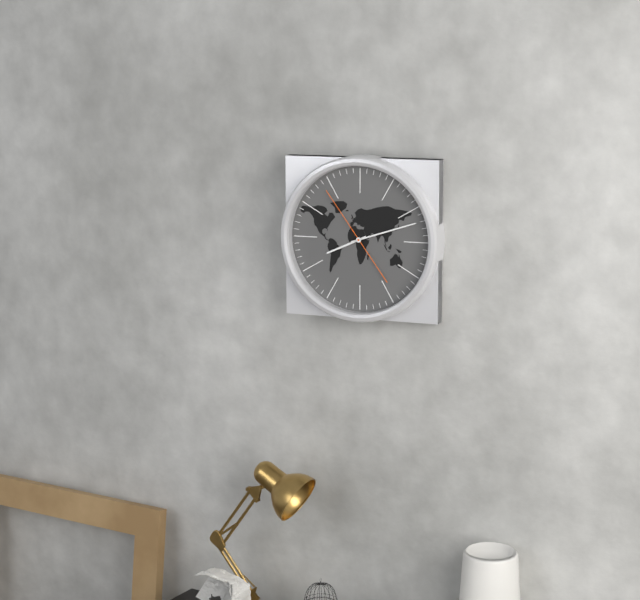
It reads 8,12,54
